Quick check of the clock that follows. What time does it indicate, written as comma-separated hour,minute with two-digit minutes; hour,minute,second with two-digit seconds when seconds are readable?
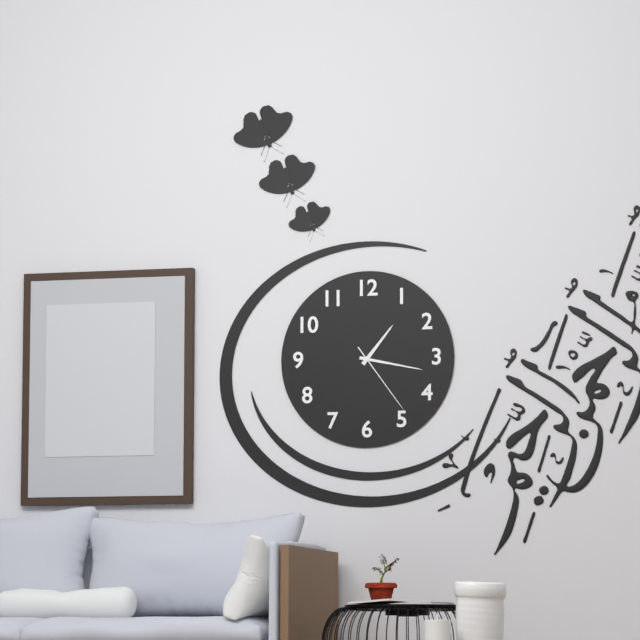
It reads 1,17,24
